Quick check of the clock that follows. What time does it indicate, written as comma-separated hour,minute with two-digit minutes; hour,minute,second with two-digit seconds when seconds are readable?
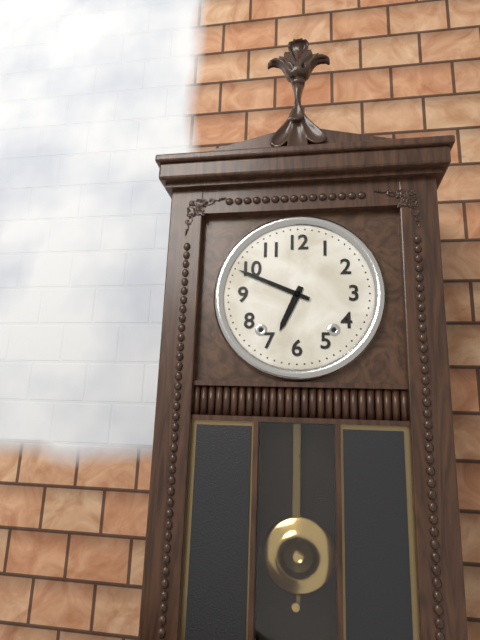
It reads 6,49
